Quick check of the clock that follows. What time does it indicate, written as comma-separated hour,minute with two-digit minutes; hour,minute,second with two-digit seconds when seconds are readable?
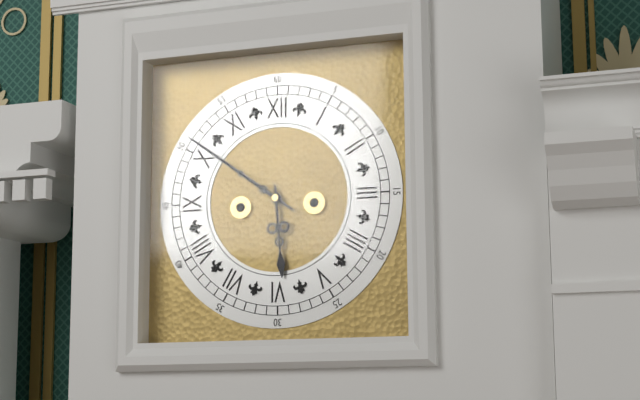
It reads 5,51
